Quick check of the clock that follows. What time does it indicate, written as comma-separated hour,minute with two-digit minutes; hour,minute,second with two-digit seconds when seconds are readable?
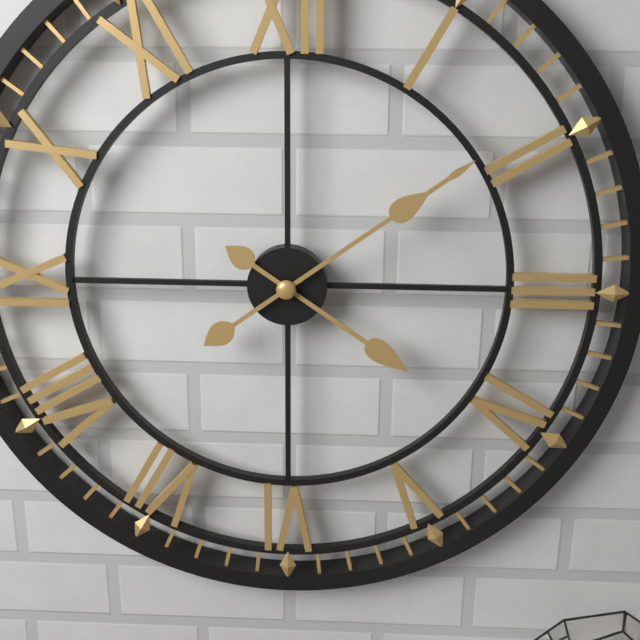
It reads 4,09
